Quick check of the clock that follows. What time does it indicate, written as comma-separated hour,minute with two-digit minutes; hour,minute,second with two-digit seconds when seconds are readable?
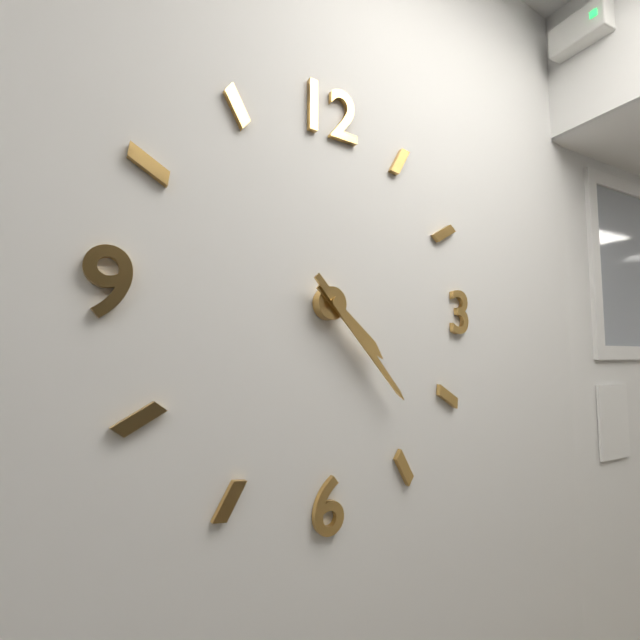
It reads 4,23
